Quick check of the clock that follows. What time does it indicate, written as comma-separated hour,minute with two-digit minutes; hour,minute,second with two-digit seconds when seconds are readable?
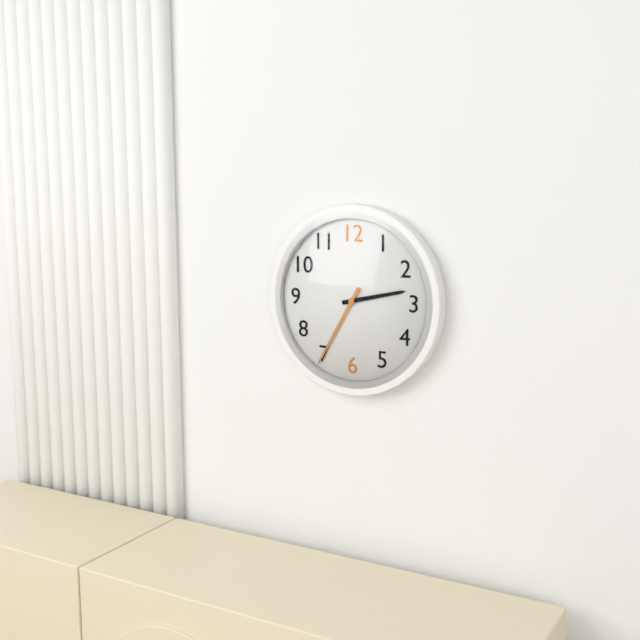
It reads 2,35
